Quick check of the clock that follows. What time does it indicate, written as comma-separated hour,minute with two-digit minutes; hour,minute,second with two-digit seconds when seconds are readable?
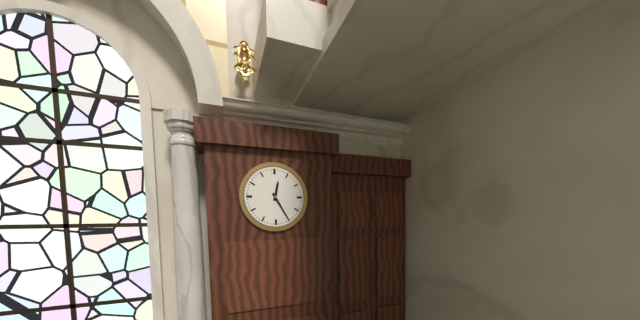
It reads 12,25
